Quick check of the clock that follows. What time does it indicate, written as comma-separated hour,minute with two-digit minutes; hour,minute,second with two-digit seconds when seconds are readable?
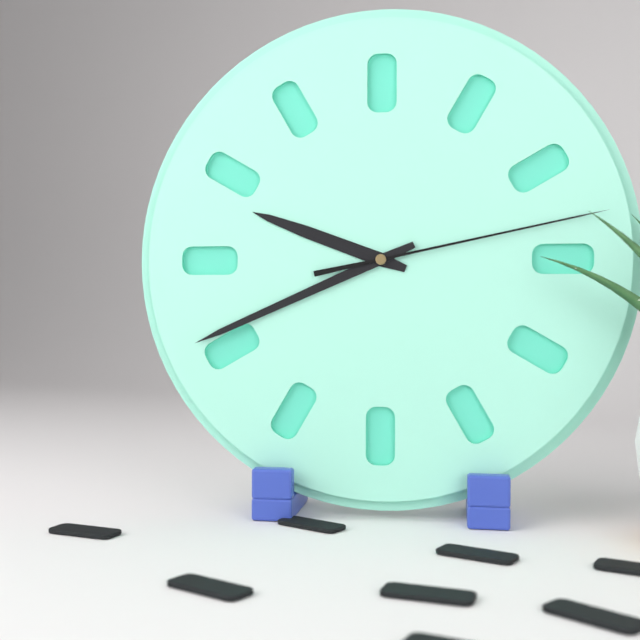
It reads 9,41,13
